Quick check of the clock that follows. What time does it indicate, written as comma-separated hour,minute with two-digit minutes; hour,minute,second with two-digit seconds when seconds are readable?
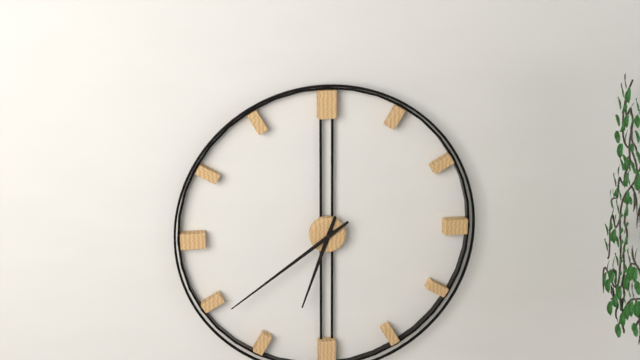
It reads 6,39
